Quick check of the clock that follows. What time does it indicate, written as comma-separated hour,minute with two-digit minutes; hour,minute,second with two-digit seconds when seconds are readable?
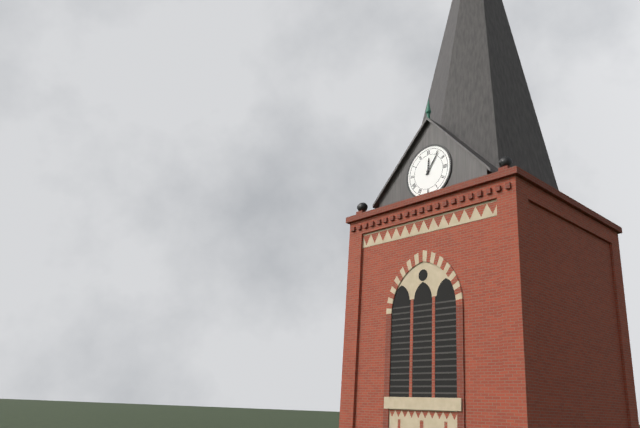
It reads 12,06
